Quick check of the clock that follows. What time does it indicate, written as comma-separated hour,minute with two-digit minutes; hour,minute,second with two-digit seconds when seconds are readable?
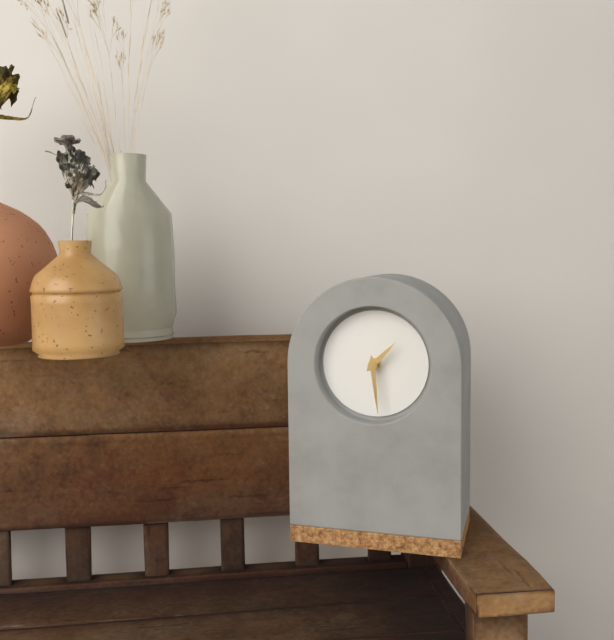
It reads 1,29
